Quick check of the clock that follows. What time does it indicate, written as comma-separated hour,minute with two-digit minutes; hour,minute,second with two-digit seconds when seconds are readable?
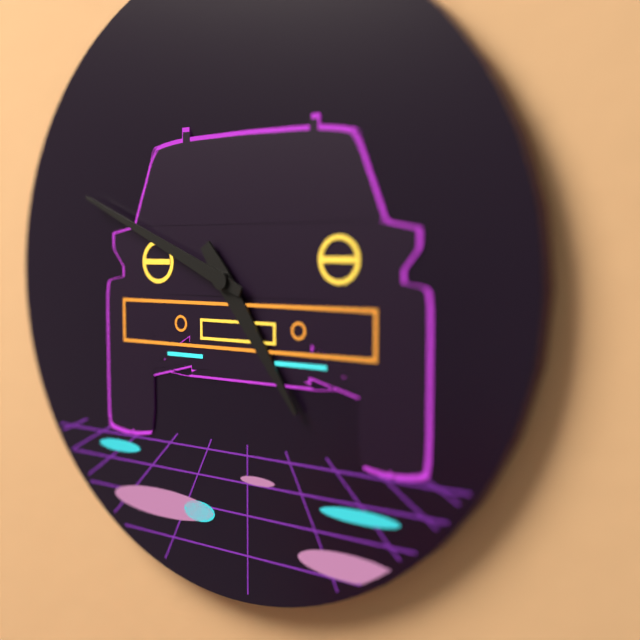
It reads 4,49
